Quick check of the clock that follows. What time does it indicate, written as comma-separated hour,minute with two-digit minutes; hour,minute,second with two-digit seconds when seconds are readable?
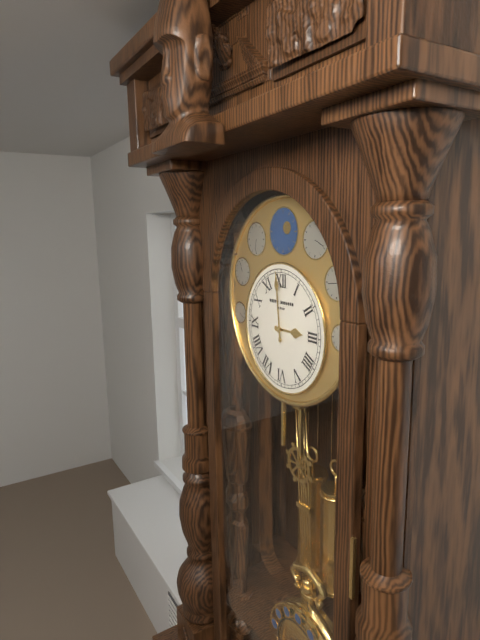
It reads 2,59
